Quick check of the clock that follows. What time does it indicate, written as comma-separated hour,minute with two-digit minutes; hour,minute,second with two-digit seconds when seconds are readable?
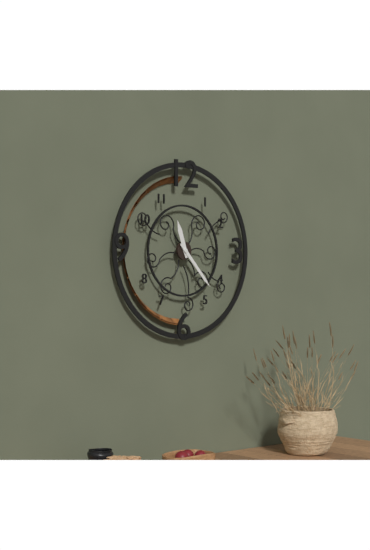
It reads 11,23
